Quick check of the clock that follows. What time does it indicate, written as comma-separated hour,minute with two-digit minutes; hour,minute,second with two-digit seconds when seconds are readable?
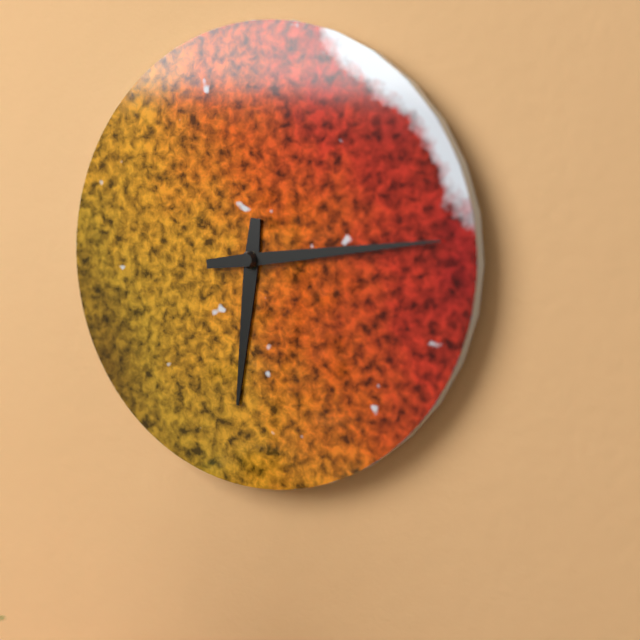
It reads 6,14
